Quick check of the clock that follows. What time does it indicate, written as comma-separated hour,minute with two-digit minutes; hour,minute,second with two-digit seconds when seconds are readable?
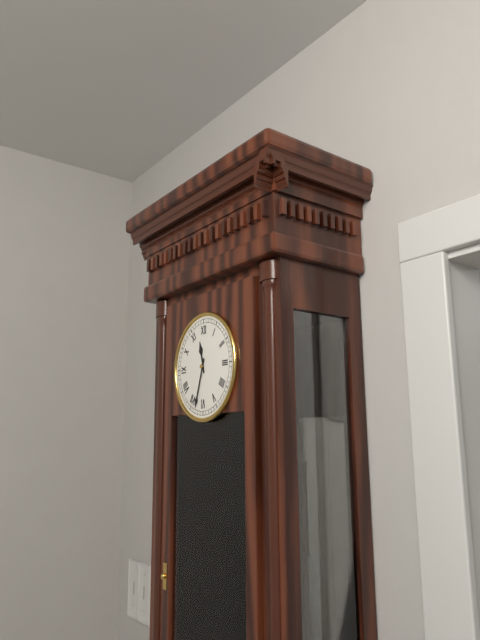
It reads 11,33
